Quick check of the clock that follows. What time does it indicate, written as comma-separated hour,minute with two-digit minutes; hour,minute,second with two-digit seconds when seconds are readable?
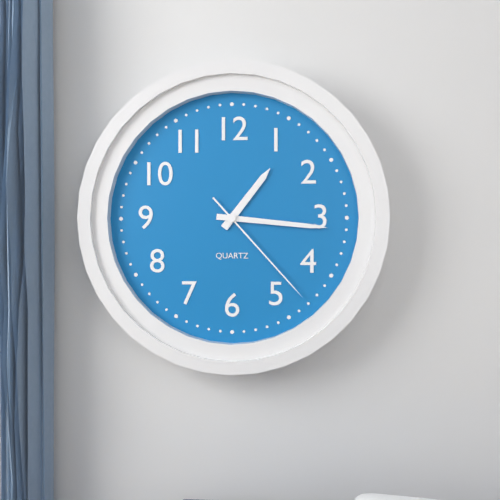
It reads 1,16,23
